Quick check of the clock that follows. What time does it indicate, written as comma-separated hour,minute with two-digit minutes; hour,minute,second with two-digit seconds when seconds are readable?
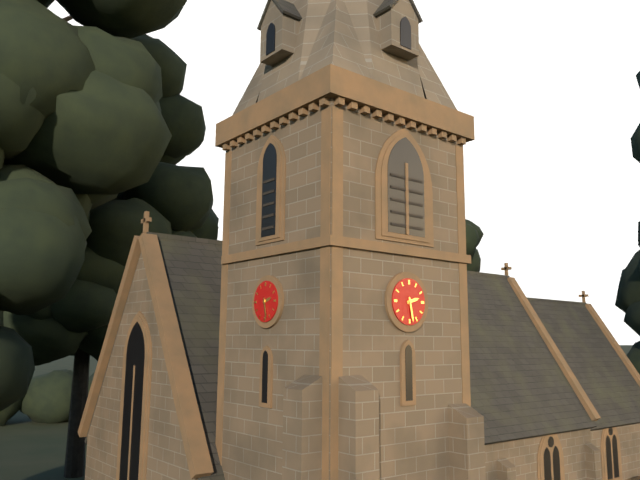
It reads 2,28
